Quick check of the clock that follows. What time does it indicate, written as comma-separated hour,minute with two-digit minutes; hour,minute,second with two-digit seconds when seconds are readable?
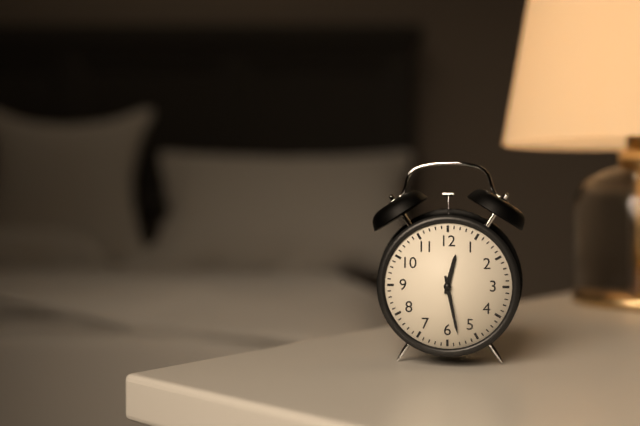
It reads 12,28
